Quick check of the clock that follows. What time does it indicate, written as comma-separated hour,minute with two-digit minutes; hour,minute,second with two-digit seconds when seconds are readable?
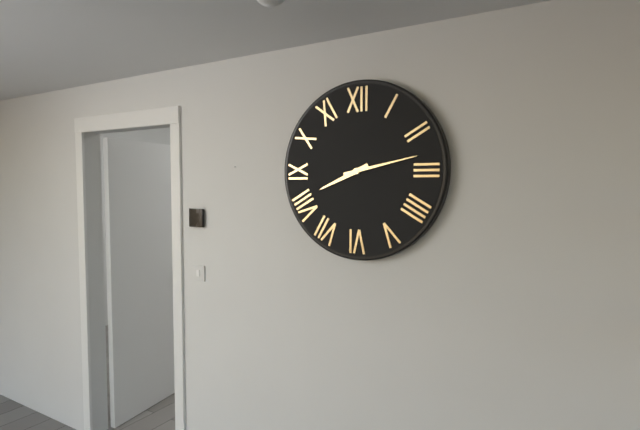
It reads 8,13
